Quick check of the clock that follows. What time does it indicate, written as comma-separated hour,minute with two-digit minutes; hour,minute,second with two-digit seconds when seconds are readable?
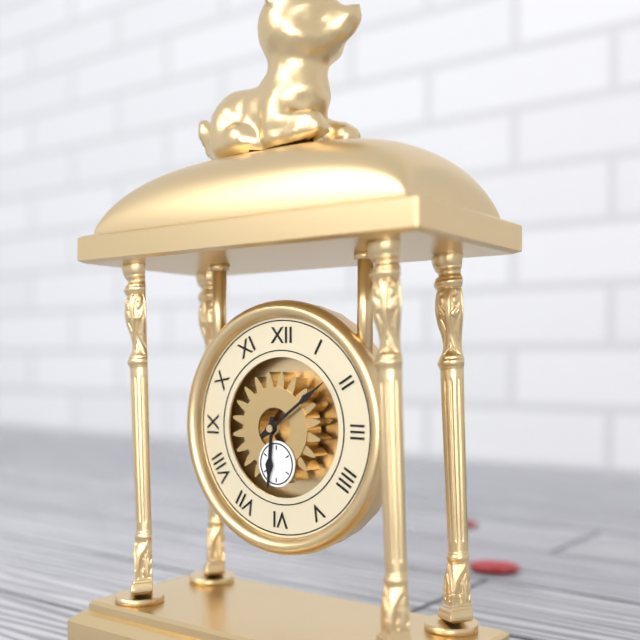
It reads 6,09
